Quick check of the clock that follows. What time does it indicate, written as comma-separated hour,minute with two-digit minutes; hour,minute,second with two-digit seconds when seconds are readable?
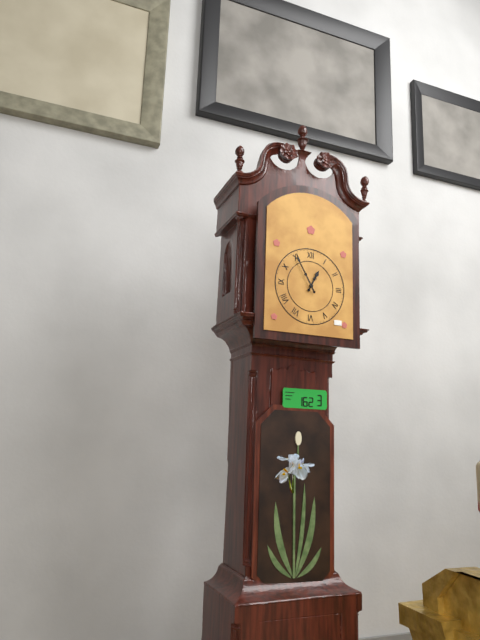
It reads 12,55
